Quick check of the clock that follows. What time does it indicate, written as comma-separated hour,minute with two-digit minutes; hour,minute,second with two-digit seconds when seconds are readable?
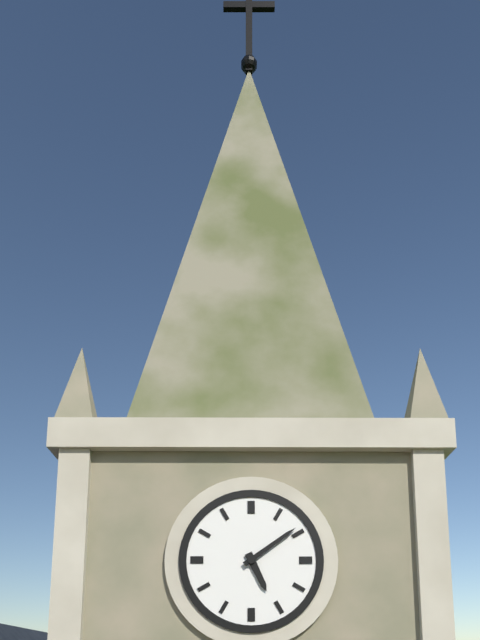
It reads 5,09
